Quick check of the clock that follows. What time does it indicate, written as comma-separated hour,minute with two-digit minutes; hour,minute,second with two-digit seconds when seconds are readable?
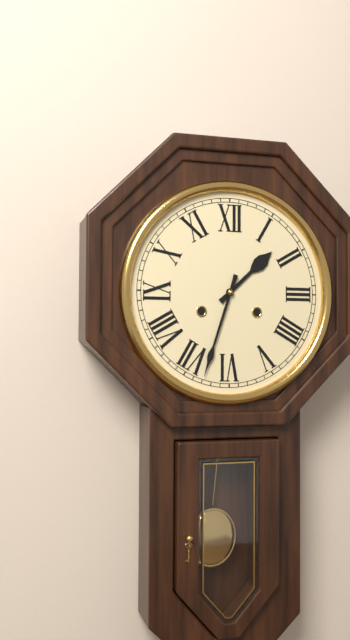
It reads 1,33
